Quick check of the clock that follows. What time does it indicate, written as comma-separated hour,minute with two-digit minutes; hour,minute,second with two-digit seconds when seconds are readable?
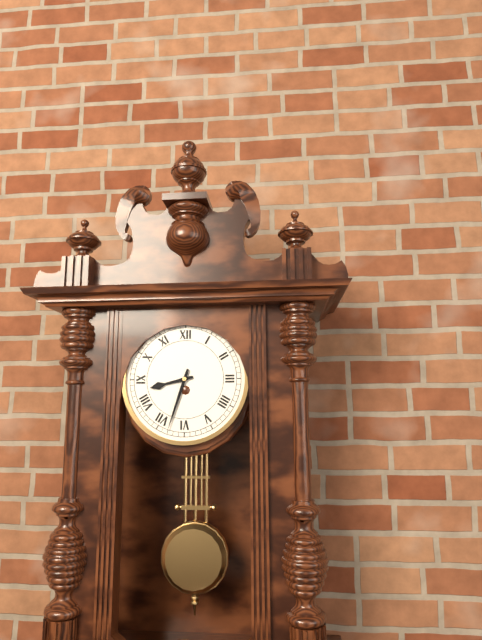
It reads 8,33
